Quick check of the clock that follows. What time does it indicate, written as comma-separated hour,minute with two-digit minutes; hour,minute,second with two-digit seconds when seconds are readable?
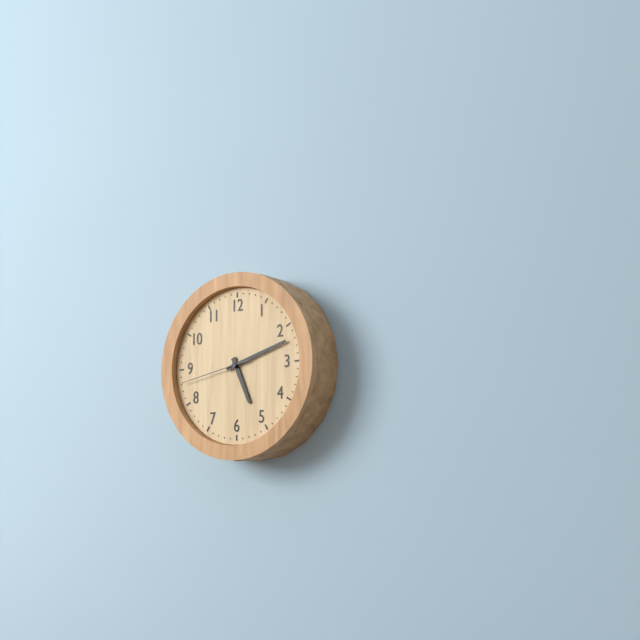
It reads 5,12,43
